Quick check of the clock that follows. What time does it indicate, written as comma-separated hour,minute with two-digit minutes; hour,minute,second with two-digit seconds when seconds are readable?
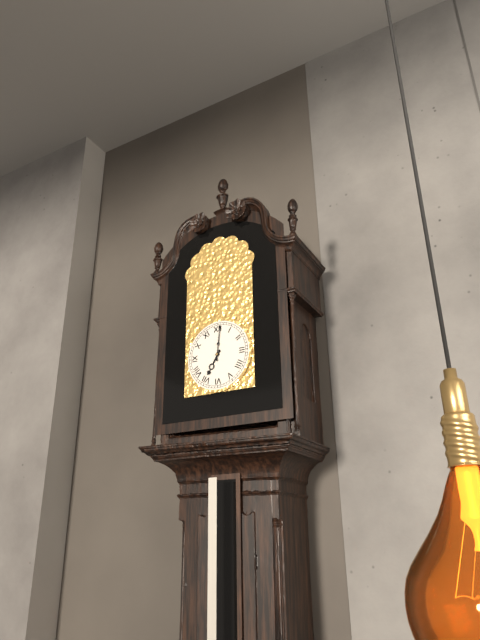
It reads 7,01
